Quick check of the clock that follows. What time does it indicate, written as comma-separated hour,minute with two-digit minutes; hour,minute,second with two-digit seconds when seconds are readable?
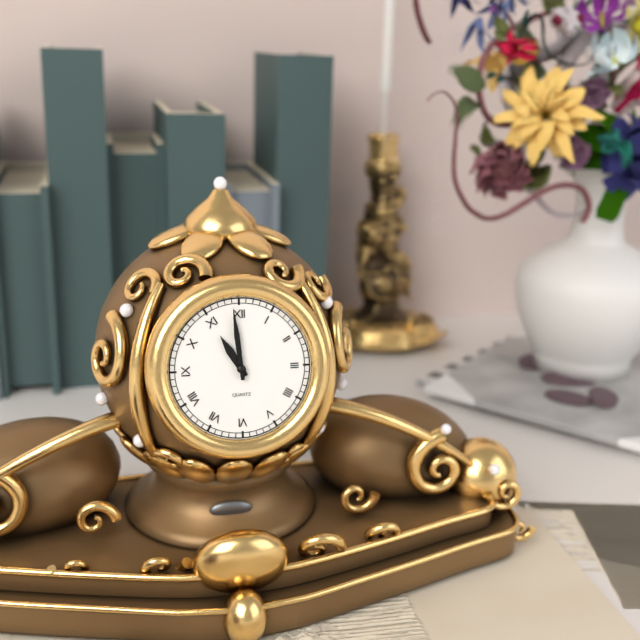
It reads 10,59
